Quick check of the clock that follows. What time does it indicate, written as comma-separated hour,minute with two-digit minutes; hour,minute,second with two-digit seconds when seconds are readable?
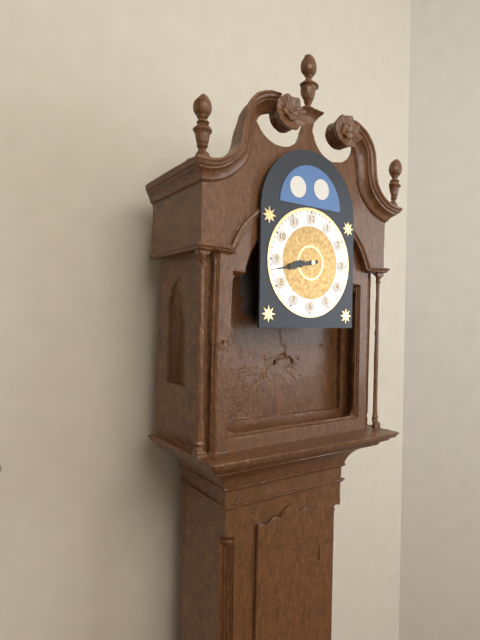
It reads 8,43
